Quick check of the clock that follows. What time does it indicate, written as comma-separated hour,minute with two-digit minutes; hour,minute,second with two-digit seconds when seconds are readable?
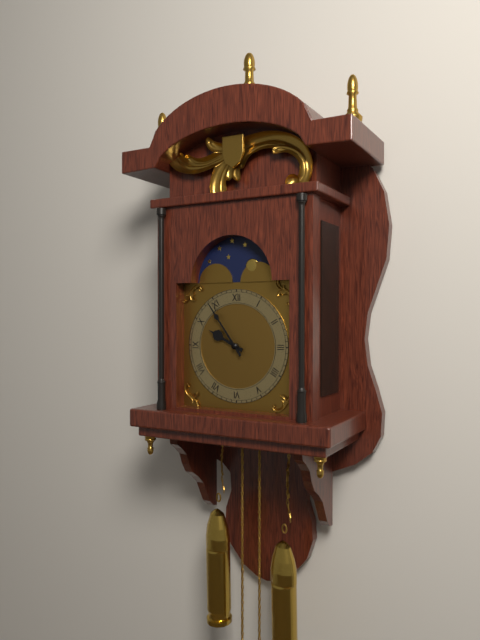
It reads 9,54
